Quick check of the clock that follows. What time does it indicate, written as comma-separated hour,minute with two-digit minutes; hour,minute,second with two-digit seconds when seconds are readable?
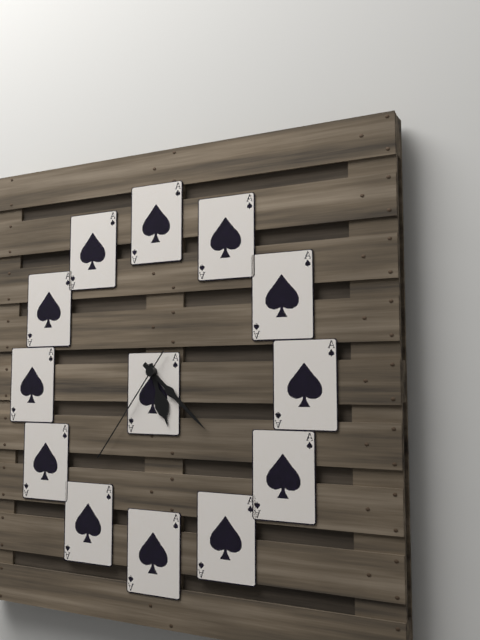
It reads 5,22,36
